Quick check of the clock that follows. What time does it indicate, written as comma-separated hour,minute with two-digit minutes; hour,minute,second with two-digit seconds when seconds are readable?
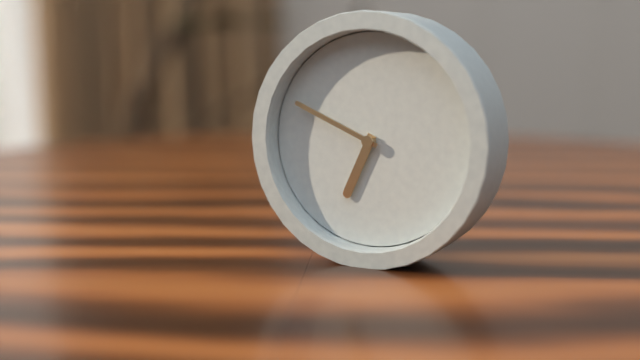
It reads 6,49
